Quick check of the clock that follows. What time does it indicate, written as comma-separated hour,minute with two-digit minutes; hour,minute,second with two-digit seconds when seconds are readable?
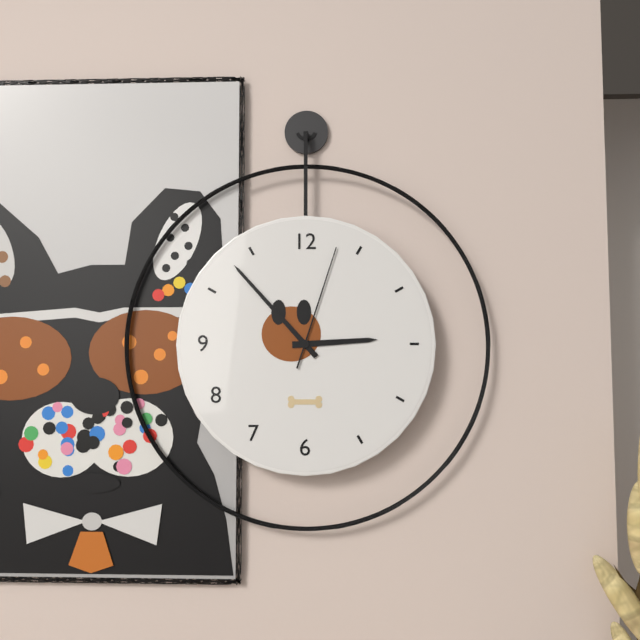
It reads 2,53,03
